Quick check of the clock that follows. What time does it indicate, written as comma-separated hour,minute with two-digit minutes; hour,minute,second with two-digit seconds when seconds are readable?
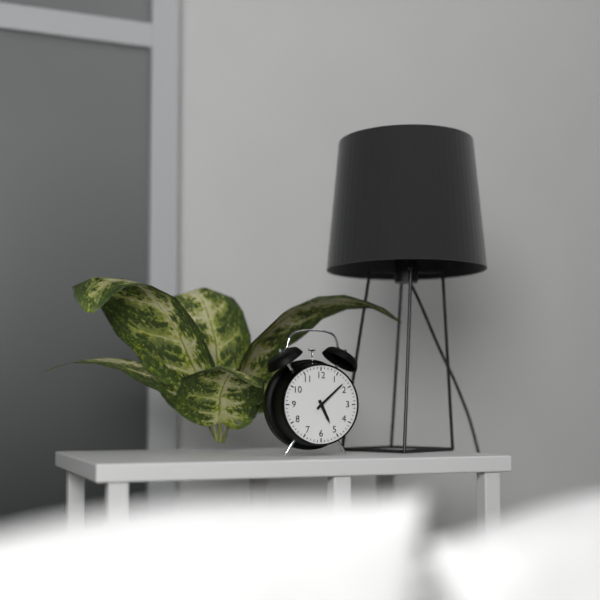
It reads 5,08
